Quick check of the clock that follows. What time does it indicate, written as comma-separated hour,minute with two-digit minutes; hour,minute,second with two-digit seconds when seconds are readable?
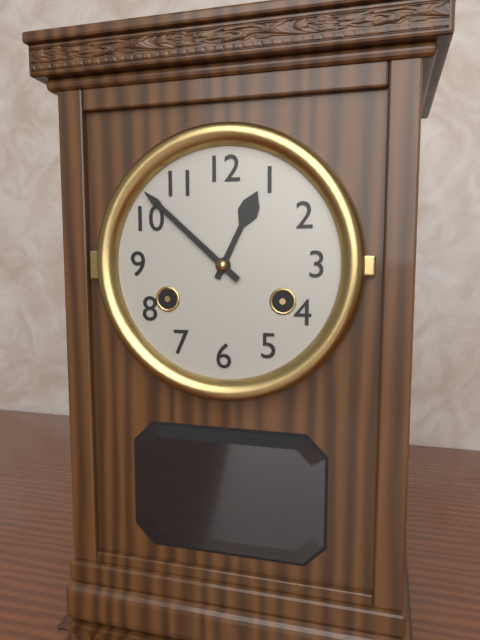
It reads 12,52
